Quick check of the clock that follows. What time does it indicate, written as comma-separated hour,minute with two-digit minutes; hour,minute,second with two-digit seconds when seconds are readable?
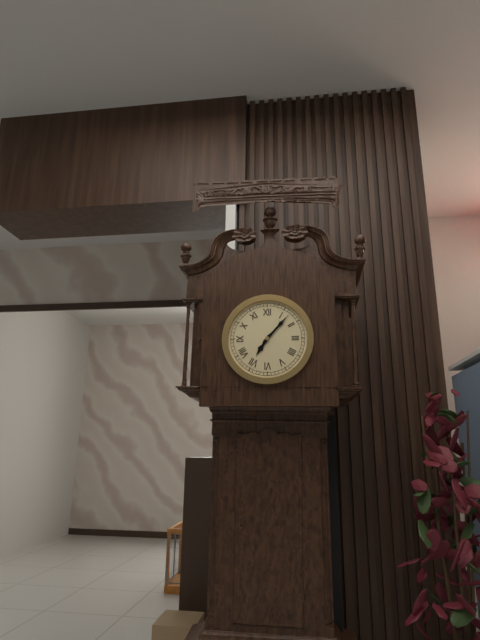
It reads 7,07
